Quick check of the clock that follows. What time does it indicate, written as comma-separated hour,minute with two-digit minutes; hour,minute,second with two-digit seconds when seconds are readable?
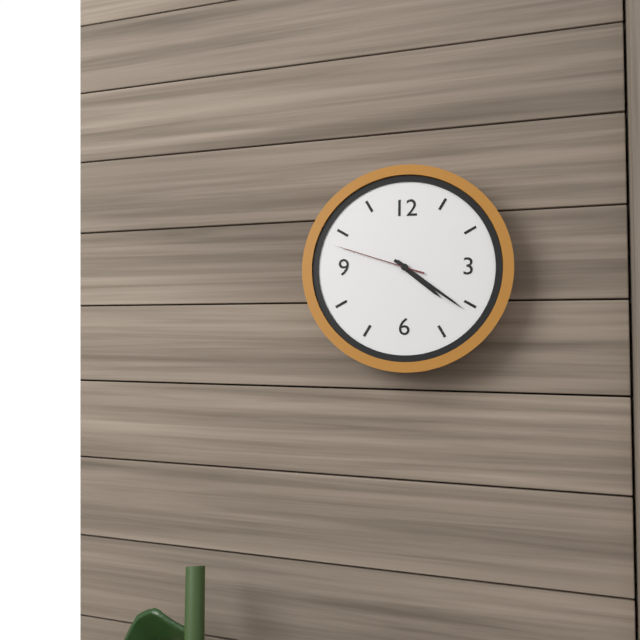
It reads 4,21,48
